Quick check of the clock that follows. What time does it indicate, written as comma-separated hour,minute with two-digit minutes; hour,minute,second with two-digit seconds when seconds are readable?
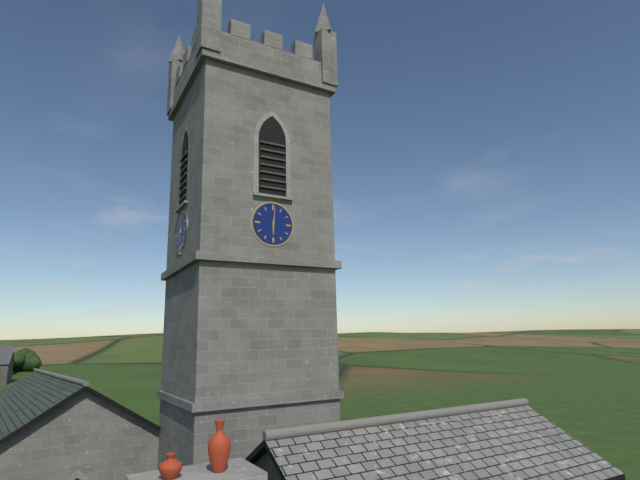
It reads 6,01
